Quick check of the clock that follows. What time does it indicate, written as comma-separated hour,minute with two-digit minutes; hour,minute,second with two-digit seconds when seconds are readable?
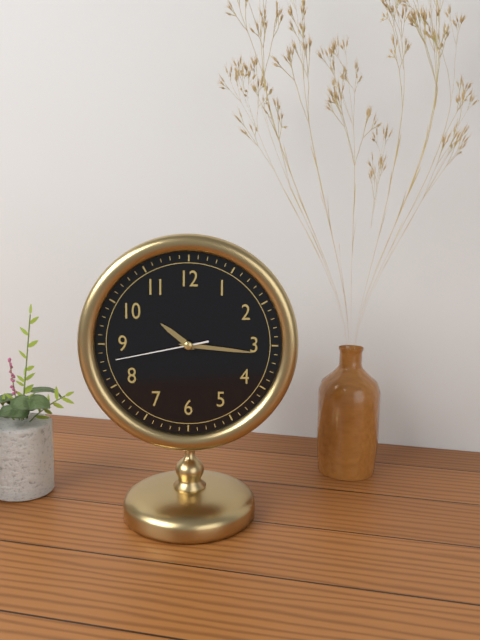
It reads 10,16,43
